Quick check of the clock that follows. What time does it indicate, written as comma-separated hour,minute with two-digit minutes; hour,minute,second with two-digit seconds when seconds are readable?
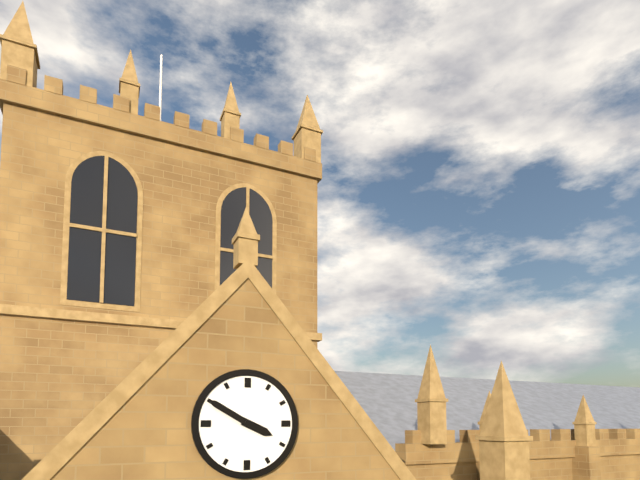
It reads 3,50
